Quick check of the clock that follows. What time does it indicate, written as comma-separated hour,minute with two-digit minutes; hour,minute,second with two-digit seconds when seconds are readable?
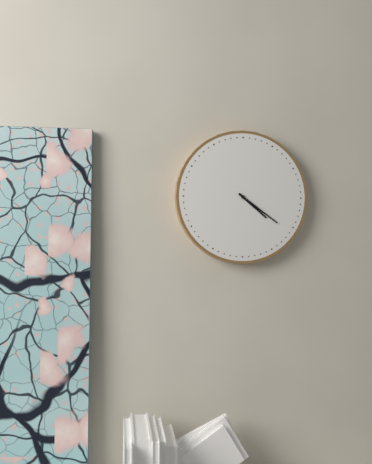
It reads 4,21
